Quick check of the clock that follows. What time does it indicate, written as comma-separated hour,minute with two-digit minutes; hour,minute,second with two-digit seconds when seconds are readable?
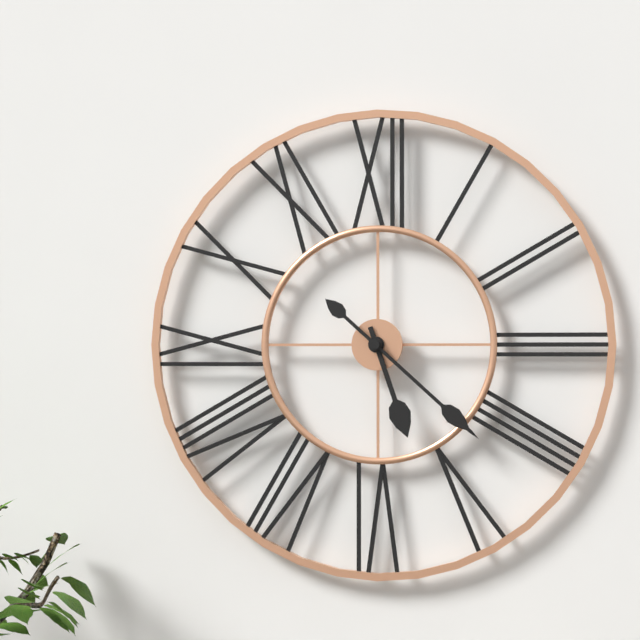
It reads 5,22
